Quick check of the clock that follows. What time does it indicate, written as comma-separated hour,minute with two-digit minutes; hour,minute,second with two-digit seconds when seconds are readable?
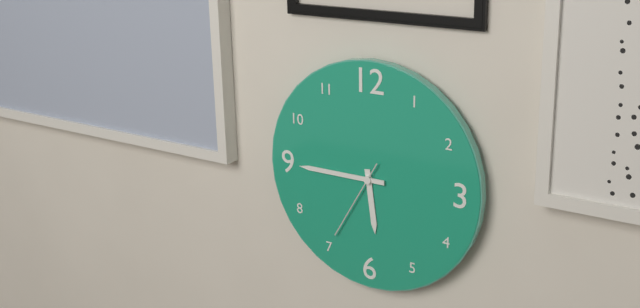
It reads 5,45,35
